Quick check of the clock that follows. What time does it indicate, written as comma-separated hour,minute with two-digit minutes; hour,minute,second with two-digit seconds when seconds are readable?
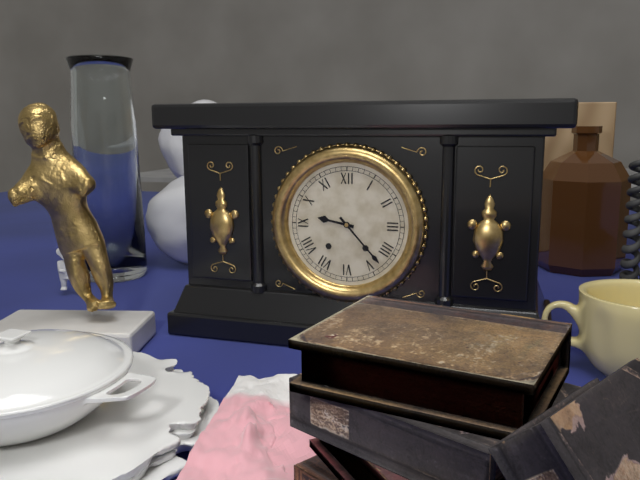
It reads 9,23
